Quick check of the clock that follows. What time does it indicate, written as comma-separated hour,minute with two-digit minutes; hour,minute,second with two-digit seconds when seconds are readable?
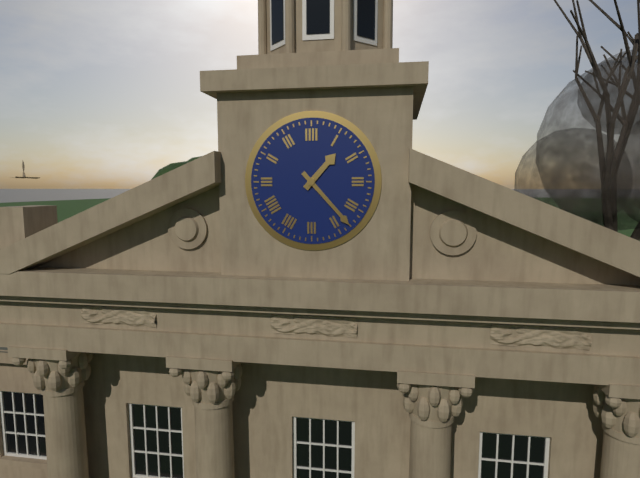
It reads 1,23
